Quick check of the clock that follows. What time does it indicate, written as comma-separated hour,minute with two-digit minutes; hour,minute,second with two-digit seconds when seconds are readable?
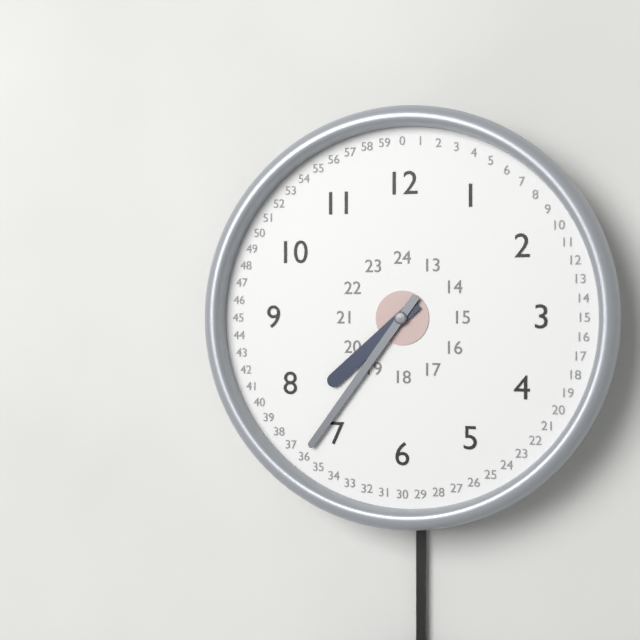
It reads 7,36
